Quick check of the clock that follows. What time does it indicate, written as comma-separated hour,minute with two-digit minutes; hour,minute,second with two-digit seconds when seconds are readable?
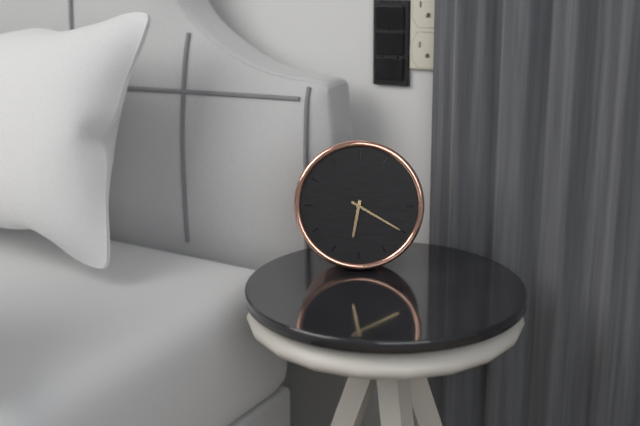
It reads 6,20
